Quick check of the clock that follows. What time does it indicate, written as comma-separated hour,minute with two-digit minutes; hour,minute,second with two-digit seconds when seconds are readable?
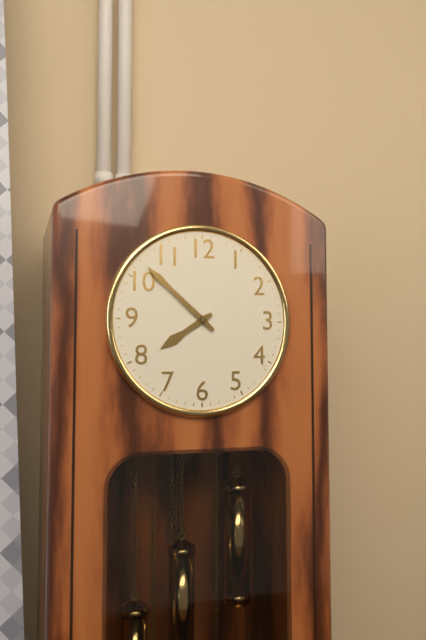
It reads 7,52
